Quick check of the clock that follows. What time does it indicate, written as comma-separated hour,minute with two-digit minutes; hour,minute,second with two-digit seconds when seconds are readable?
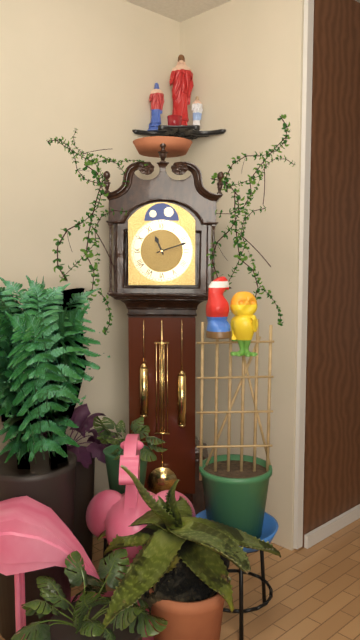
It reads 11,12
